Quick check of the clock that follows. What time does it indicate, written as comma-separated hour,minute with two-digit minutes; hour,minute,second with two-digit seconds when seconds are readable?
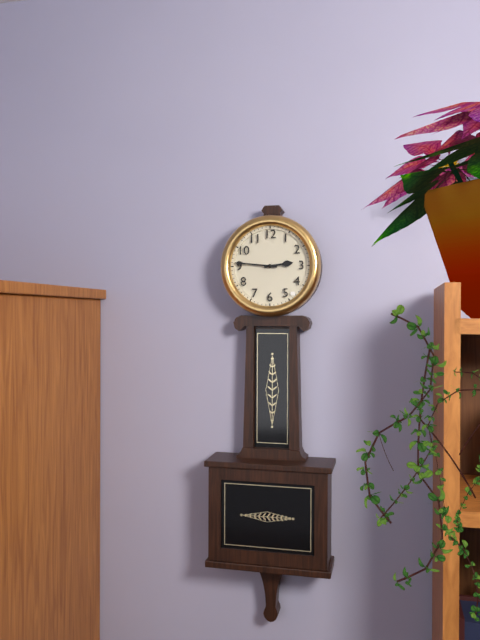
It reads 2,46
